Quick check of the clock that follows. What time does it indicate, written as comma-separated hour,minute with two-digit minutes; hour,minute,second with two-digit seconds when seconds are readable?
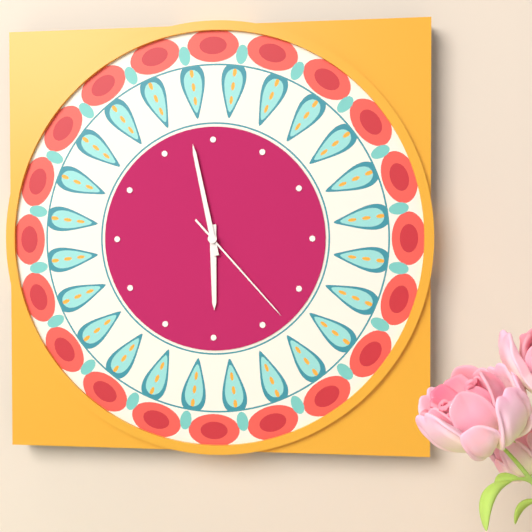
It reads 5,58,23
